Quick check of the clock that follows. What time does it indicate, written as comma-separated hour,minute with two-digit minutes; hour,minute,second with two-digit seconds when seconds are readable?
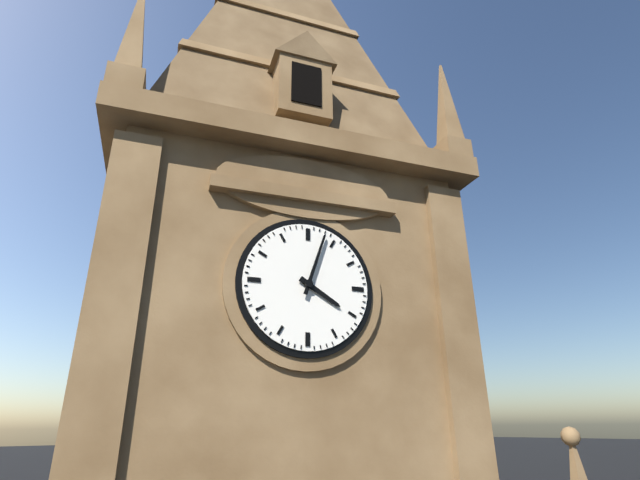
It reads 4,03
